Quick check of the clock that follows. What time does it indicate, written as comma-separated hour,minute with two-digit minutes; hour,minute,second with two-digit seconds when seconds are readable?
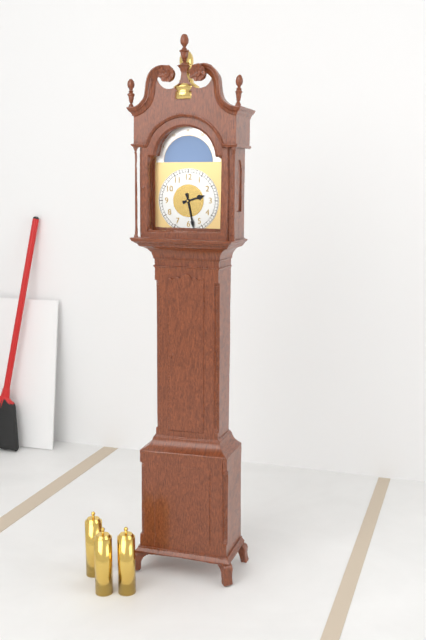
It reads 2,28
